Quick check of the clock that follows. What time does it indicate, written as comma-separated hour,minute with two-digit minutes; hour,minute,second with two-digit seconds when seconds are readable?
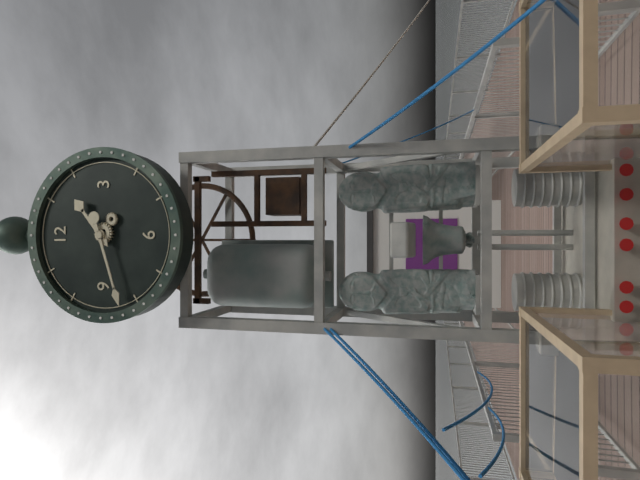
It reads 1,42
